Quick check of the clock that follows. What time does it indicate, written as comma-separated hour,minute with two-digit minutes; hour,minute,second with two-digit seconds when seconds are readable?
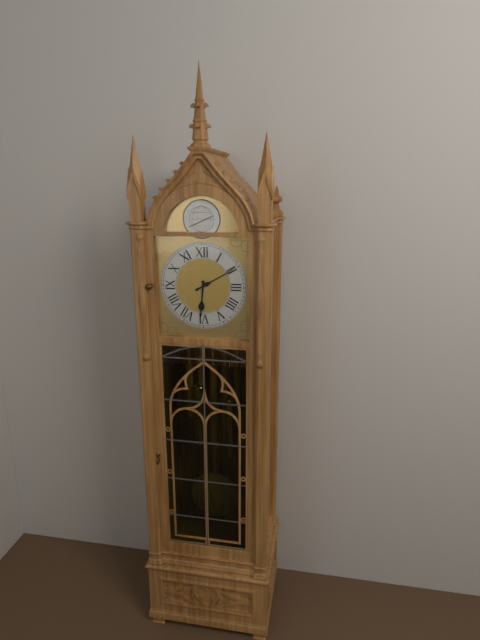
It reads 6,10
